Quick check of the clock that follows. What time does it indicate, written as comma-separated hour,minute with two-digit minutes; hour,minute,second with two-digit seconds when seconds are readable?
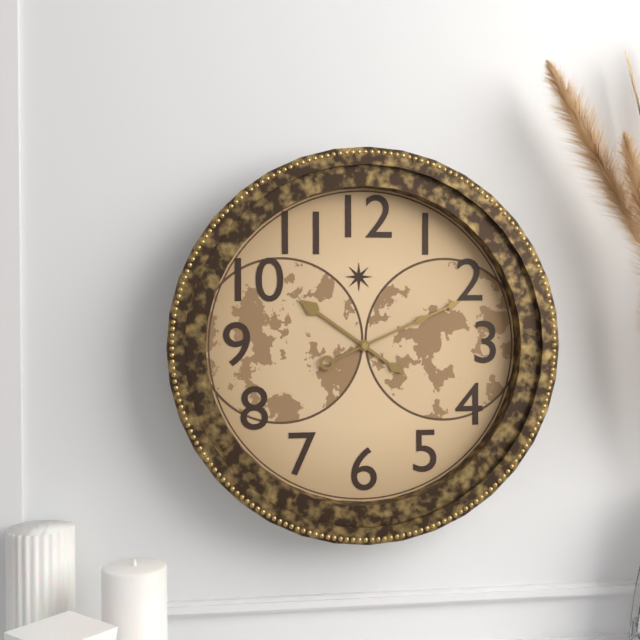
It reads 10,11
